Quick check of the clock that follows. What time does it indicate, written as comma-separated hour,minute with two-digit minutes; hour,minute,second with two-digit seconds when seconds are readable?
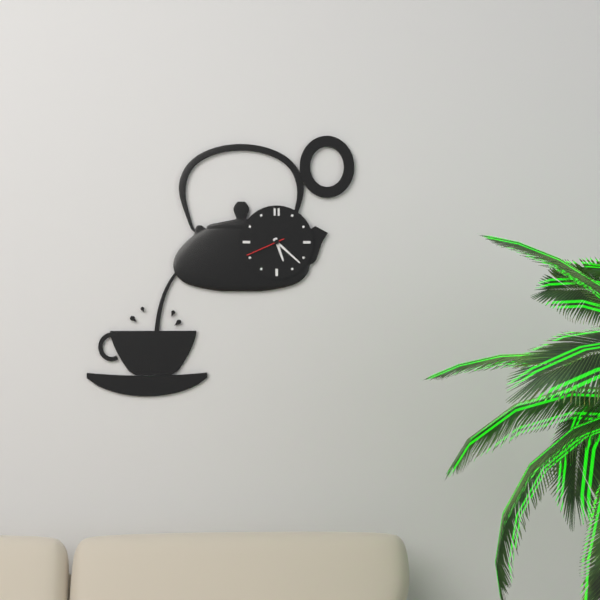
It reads 5,22
